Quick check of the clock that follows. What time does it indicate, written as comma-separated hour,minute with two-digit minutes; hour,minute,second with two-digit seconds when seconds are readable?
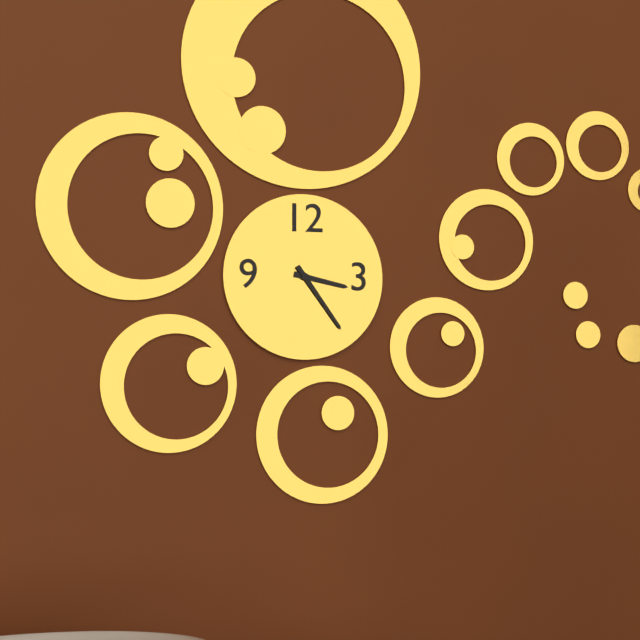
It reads 3,24
